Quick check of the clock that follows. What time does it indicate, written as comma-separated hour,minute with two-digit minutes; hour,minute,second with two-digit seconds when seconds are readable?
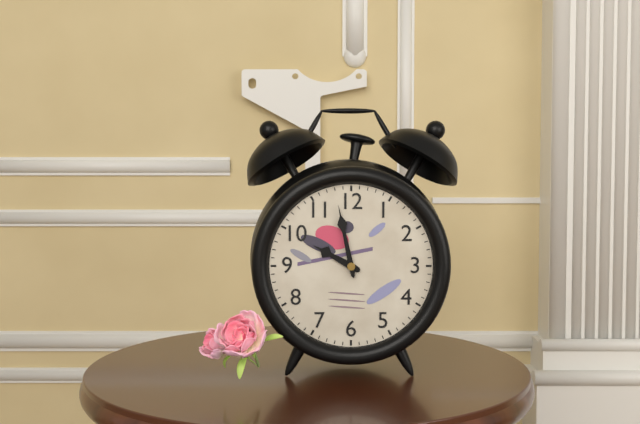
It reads 9,58
